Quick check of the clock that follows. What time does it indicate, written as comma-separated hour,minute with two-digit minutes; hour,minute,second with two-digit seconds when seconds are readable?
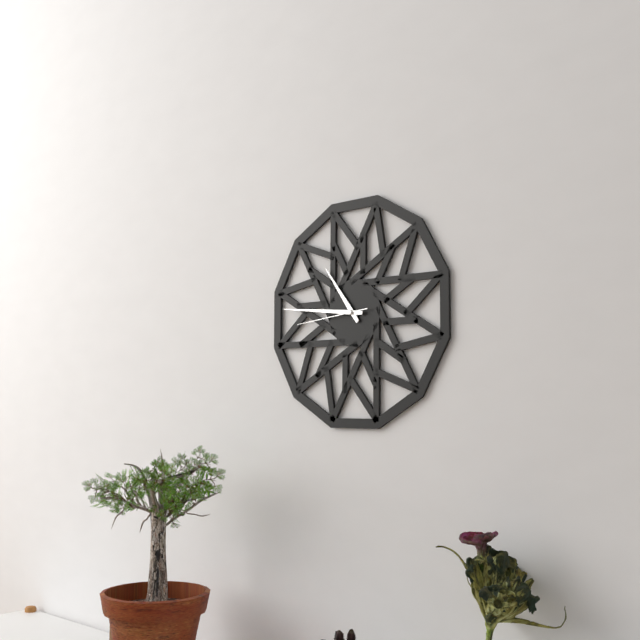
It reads 10,46,44
